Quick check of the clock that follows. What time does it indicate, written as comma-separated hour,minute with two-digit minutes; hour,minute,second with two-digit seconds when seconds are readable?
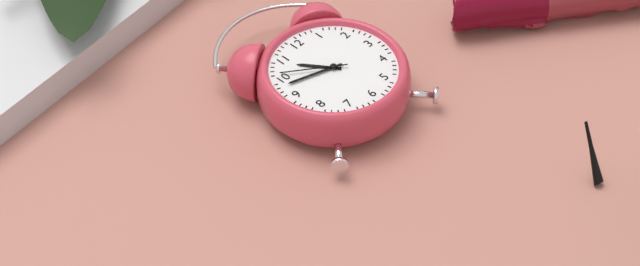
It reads 10,48,51
